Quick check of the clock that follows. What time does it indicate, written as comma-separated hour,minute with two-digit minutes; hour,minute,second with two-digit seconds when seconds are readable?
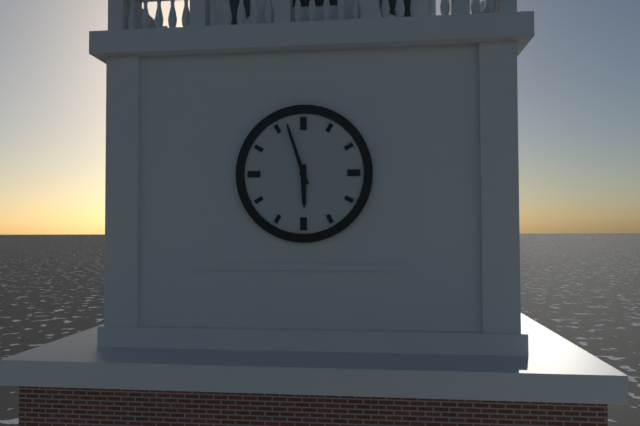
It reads 5,57
